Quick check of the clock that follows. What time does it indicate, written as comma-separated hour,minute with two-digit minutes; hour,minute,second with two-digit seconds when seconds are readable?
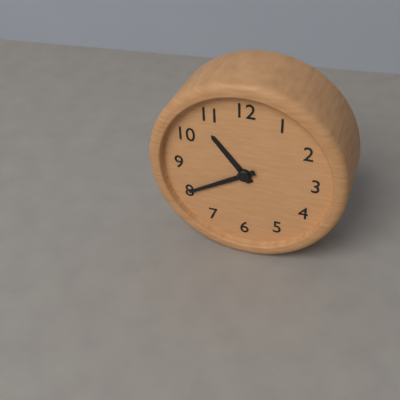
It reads 10,40
